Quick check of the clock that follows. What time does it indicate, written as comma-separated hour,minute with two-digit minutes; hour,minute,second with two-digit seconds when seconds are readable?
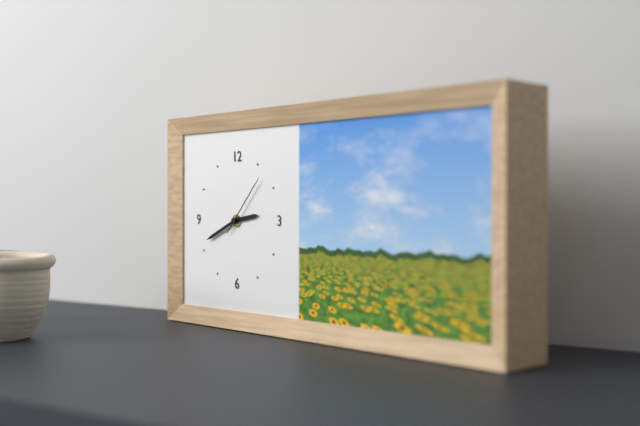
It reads 2,41,07
